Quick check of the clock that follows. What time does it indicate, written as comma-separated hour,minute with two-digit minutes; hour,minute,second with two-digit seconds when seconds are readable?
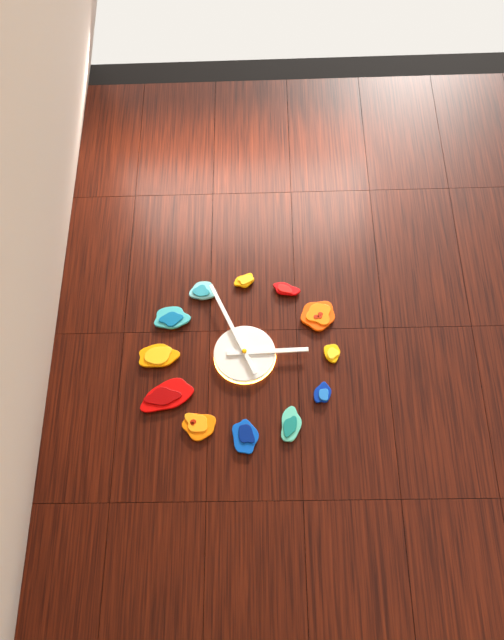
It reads 2,56
